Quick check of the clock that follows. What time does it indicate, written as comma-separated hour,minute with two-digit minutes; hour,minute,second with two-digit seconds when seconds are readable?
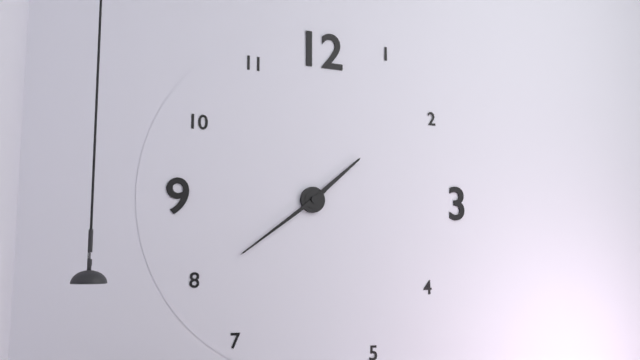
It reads 1,39
